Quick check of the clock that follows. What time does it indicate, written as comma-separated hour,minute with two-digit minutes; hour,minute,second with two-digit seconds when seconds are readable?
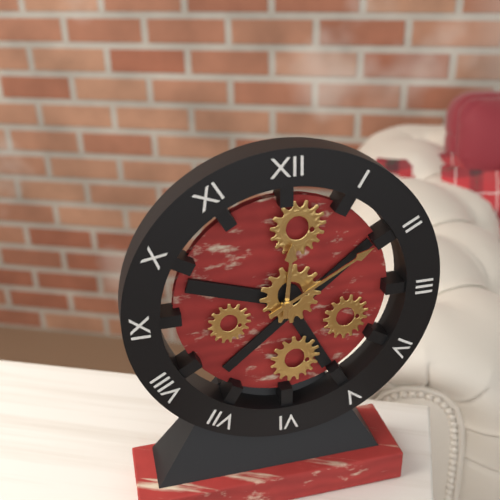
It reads 12,10
